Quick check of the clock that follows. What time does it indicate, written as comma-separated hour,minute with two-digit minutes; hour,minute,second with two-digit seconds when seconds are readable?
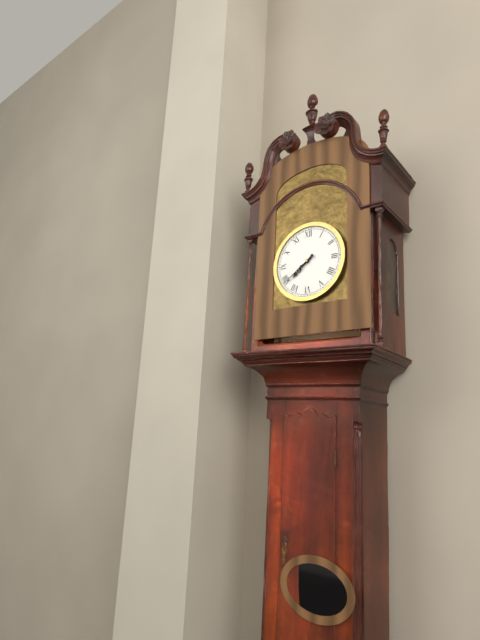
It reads 7,39
